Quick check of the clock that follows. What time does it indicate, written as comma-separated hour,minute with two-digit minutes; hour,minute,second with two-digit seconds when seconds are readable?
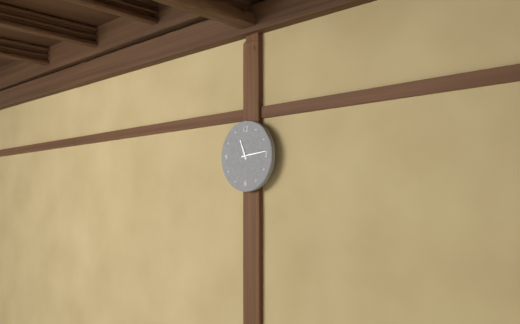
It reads 11,14
